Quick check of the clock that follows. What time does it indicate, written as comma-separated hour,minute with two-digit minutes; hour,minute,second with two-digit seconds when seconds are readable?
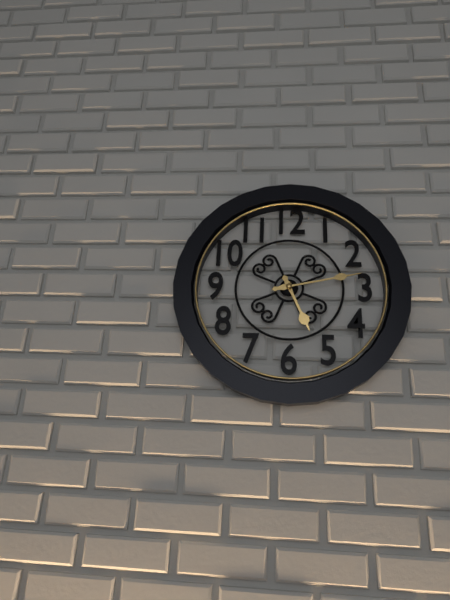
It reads 5,13
